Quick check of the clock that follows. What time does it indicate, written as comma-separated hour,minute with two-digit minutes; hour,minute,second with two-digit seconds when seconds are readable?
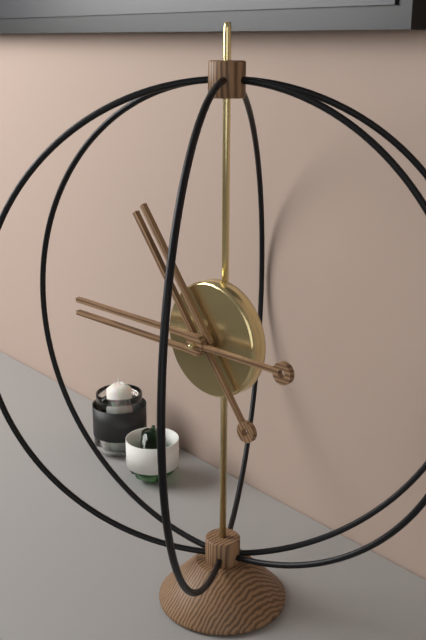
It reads 10,45
